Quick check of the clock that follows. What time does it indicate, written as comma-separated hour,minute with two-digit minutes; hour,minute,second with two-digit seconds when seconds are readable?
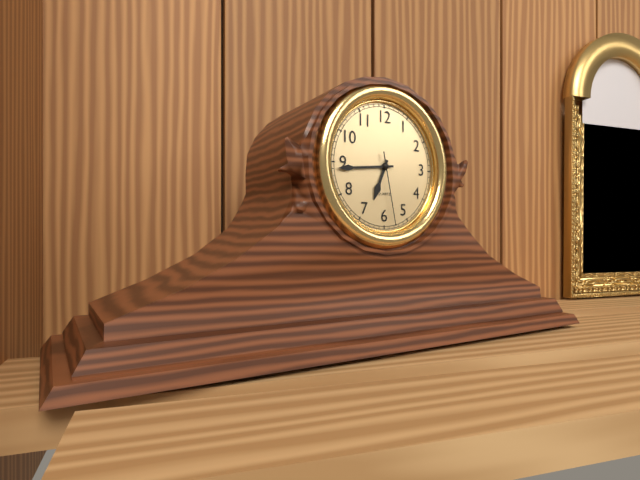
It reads 6,44,28
